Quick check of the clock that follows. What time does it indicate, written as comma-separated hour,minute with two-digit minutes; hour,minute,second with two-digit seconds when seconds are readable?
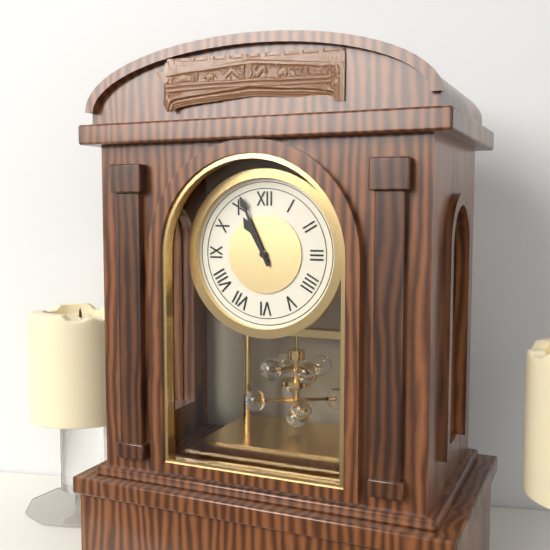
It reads 10,56
